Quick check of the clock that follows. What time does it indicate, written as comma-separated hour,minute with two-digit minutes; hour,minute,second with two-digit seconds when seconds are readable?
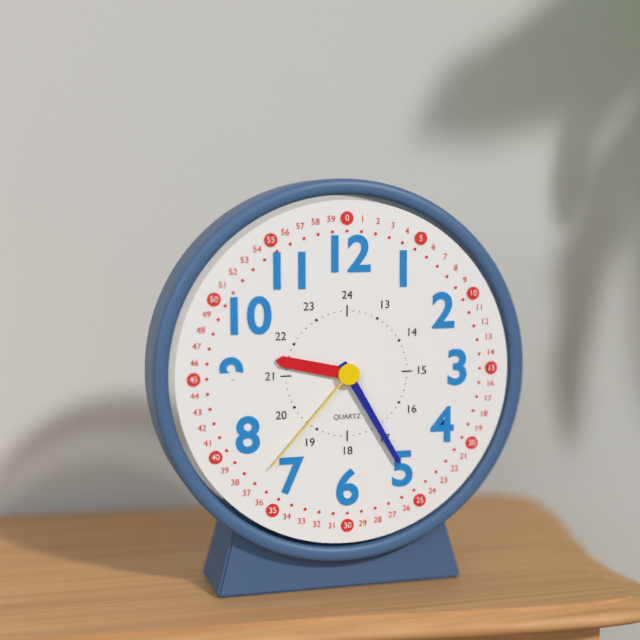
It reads 9,25,37
